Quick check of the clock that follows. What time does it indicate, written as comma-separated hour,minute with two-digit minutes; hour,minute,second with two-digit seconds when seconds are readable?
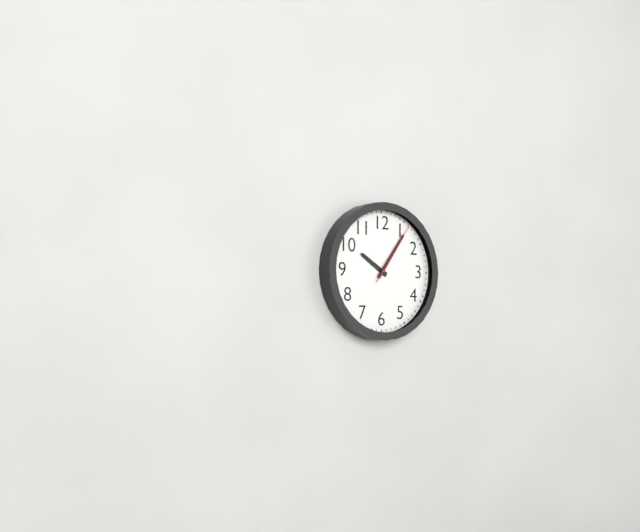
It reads 10,06,06
